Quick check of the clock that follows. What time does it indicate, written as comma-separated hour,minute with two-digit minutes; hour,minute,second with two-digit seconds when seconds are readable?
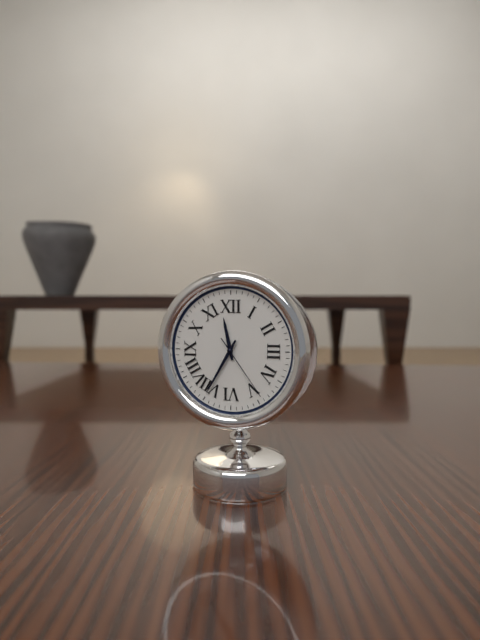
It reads 11,35,24
